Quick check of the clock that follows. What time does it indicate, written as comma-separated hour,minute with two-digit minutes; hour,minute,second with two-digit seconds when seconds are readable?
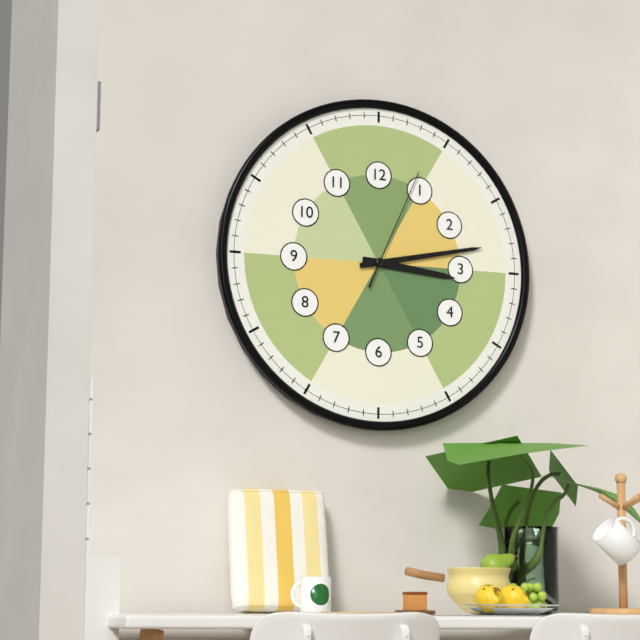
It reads 3,13,04
